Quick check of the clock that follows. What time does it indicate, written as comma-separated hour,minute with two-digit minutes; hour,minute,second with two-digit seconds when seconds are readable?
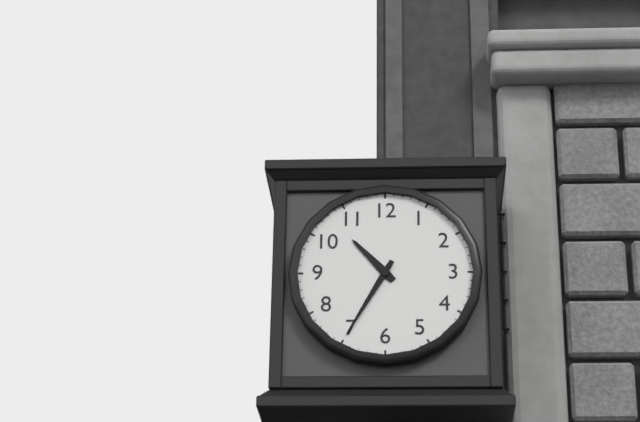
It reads 10,35
